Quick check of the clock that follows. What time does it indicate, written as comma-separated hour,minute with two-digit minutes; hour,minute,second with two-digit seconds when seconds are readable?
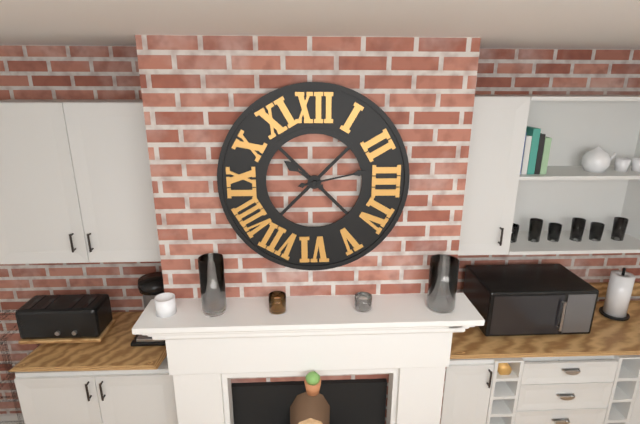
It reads 10,13
